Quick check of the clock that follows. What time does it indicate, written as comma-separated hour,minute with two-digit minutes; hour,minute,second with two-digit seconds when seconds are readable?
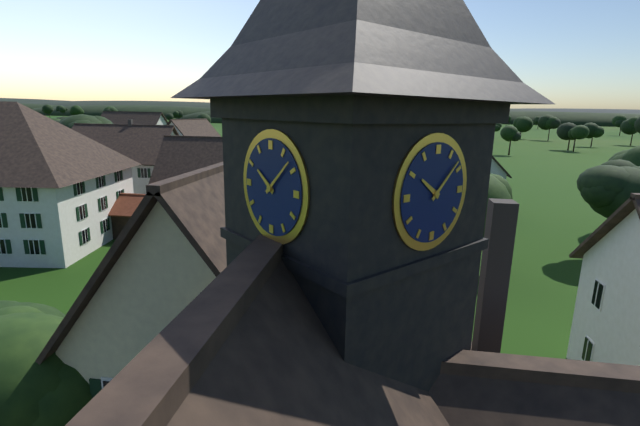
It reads 10,08
